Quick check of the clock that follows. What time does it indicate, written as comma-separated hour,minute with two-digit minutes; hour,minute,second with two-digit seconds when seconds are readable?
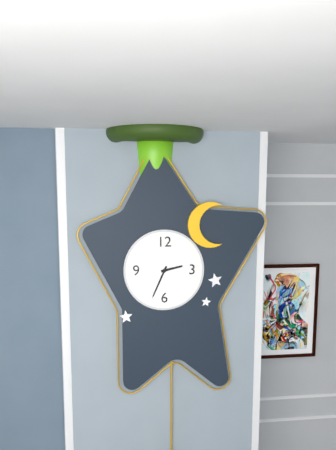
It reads 2,34
